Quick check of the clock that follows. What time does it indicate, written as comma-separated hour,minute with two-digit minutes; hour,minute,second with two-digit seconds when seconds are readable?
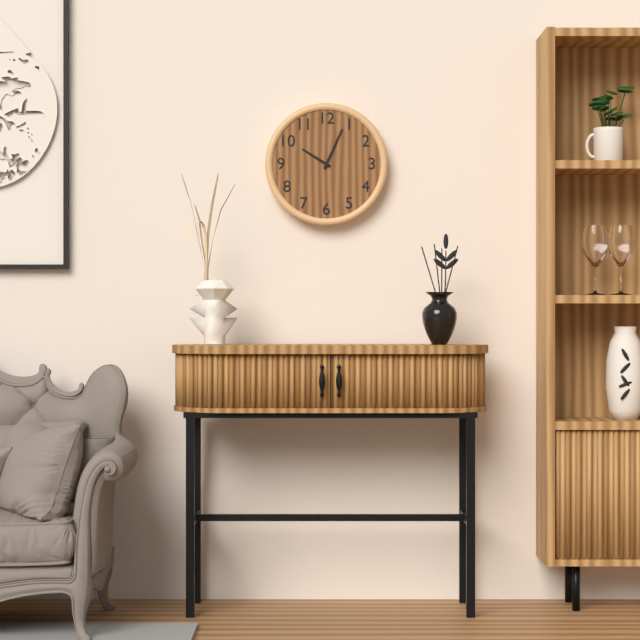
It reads 10,04
